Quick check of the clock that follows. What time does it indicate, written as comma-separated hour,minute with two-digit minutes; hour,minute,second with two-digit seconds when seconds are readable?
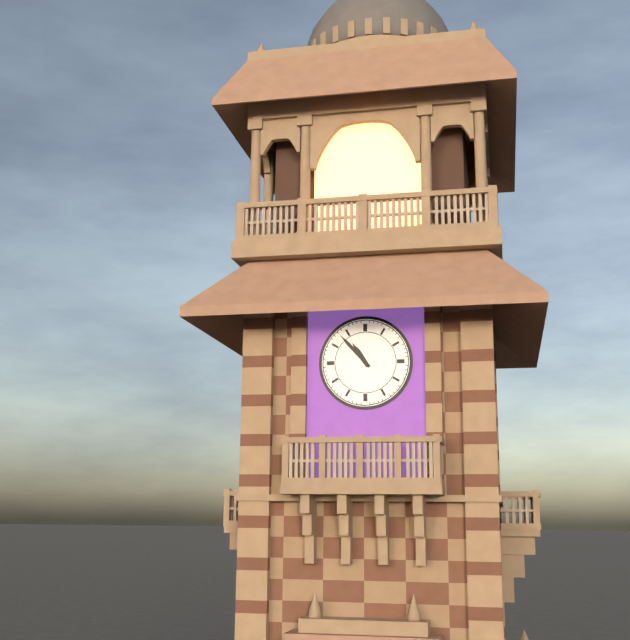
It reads 10,53
